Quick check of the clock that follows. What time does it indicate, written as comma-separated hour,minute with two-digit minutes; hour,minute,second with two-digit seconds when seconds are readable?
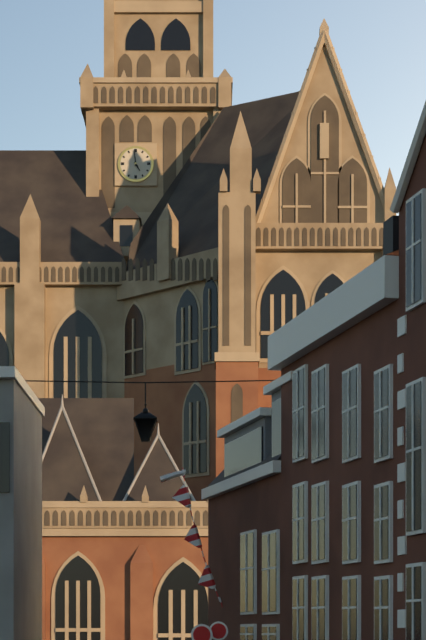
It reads 4,59
